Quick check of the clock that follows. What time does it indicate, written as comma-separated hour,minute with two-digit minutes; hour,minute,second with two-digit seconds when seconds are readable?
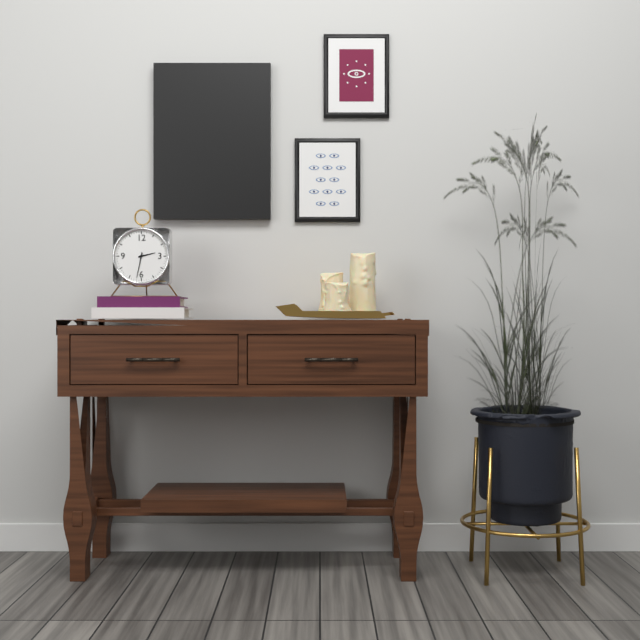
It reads 2,32
